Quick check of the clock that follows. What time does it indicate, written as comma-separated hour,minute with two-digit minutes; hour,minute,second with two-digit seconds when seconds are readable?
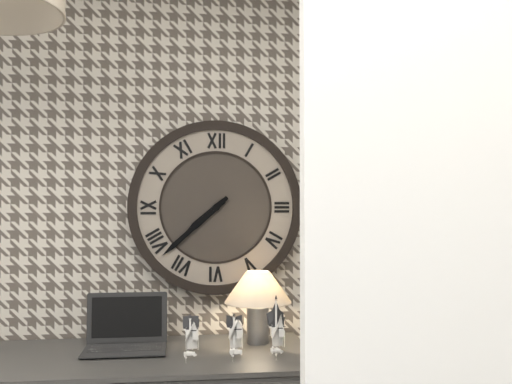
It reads 7,38
